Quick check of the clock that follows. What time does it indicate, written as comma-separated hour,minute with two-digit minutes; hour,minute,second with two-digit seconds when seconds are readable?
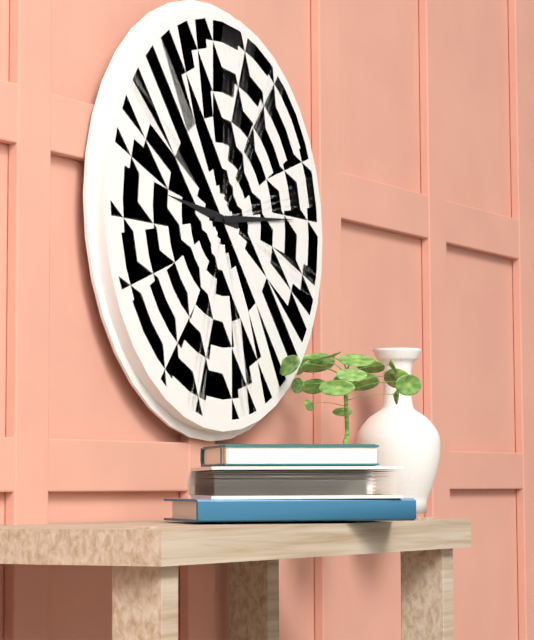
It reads 9,14
